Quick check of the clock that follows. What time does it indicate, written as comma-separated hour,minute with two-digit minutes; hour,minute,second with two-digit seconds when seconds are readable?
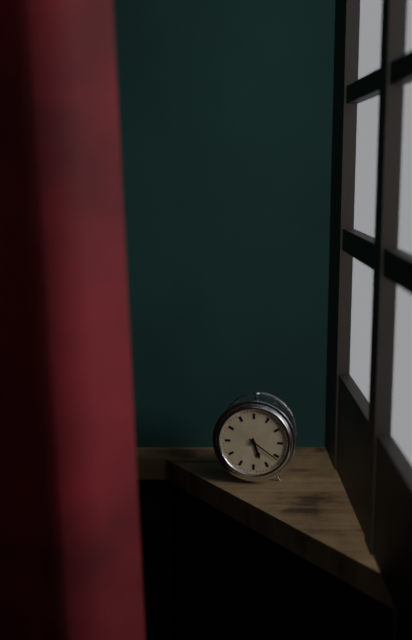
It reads 5,21
